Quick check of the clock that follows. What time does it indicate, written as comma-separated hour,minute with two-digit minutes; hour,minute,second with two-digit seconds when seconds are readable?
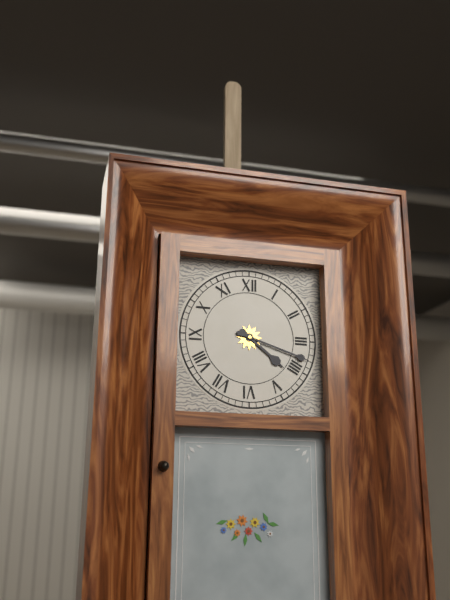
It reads 4,18
